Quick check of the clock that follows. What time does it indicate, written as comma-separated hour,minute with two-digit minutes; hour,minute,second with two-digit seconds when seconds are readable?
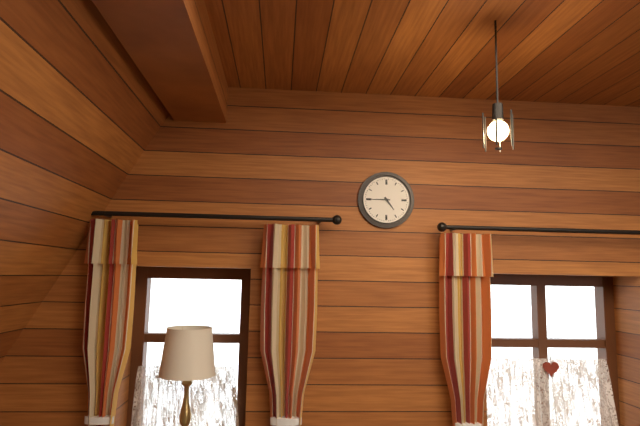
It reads 4,45
